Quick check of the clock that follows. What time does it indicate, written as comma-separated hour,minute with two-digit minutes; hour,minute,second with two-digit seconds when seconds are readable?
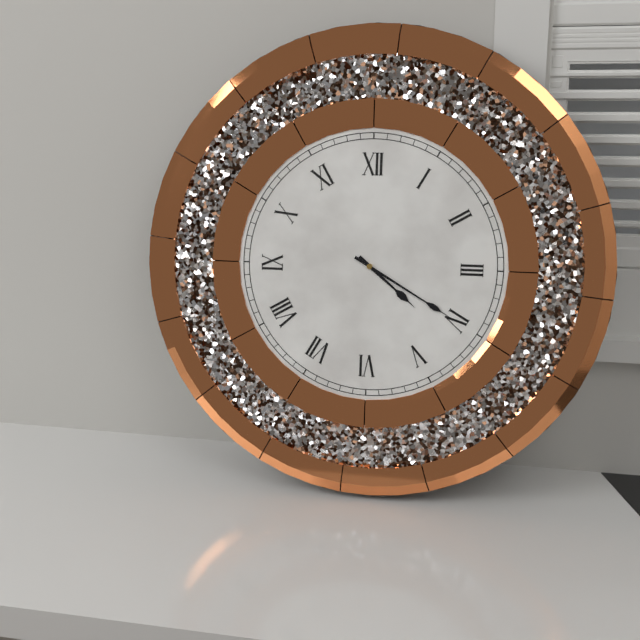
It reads 4,20
